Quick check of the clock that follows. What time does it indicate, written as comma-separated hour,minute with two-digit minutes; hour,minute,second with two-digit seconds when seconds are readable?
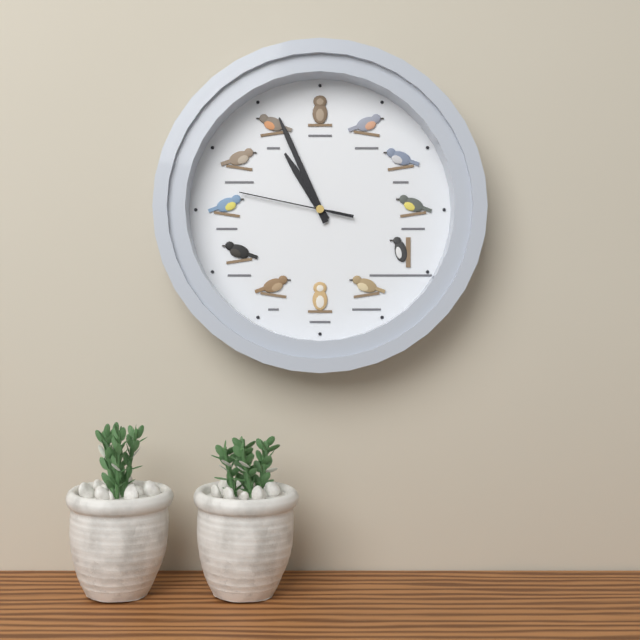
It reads 10,56,47
